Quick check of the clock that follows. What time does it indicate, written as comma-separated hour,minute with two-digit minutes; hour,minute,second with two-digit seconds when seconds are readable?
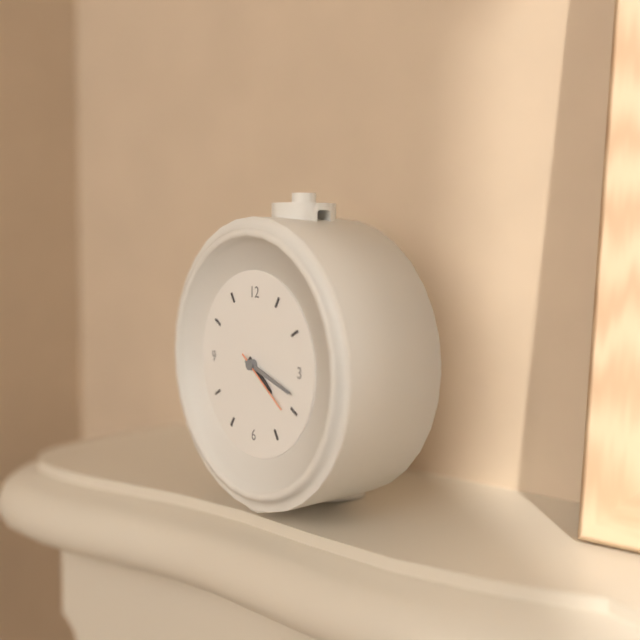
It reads 4,18,21
